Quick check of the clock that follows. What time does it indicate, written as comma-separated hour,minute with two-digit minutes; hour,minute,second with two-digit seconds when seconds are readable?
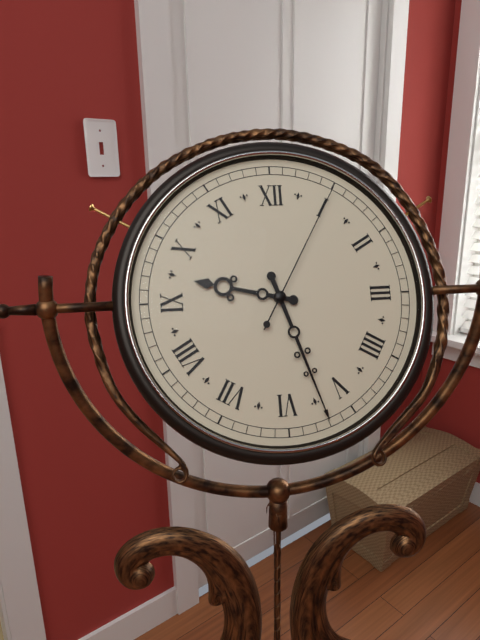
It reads 9,27,05
